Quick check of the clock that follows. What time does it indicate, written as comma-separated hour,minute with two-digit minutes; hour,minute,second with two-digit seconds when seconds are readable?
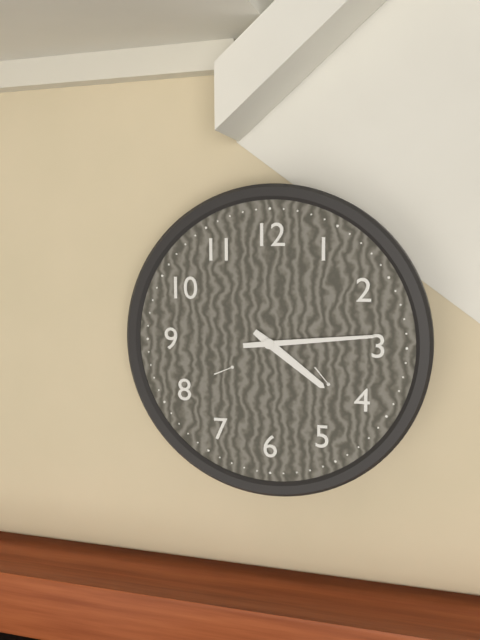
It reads 4,14
